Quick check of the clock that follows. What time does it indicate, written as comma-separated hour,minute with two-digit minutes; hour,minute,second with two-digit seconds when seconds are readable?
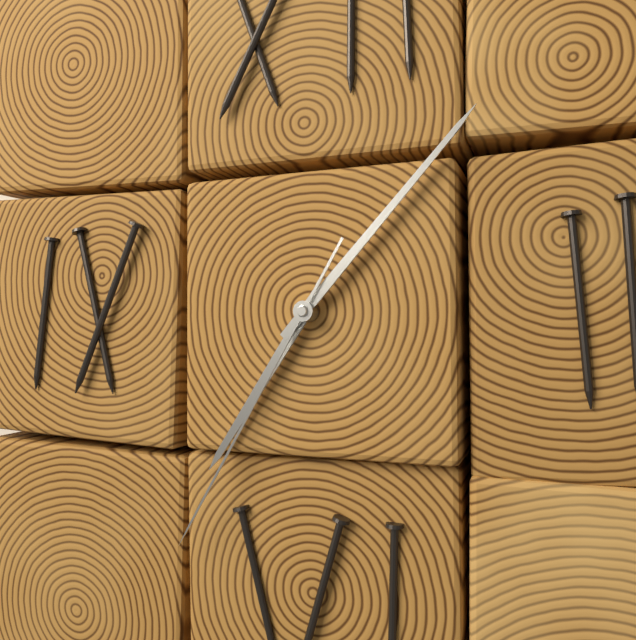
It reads 7,07,35
